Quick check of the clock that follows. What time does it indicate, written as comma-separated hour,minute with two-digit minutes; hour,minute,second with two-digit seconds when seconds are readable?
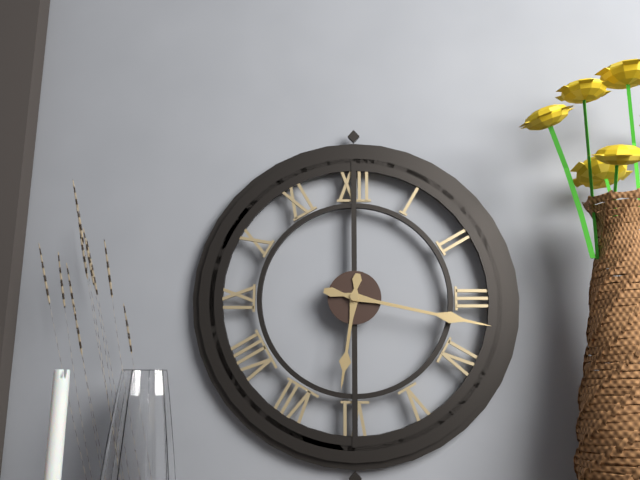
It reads 6,17
